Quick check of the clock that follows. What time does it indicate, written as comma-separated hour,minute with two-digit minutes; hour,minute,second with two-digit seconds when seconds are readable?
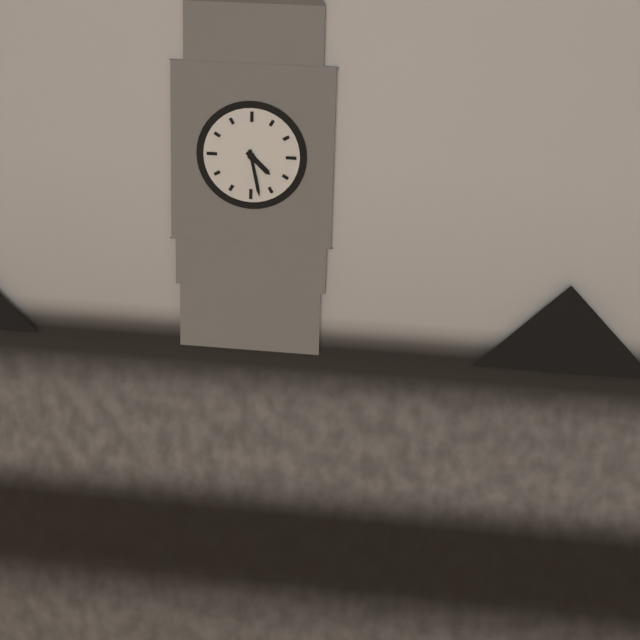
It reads 4,28
